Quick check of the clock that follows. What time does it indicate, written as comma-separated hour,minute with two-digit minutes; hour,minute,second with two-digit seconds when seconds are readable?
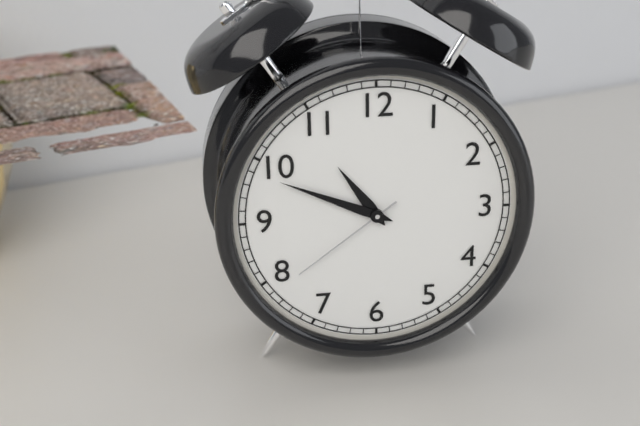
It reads 10,49,39
